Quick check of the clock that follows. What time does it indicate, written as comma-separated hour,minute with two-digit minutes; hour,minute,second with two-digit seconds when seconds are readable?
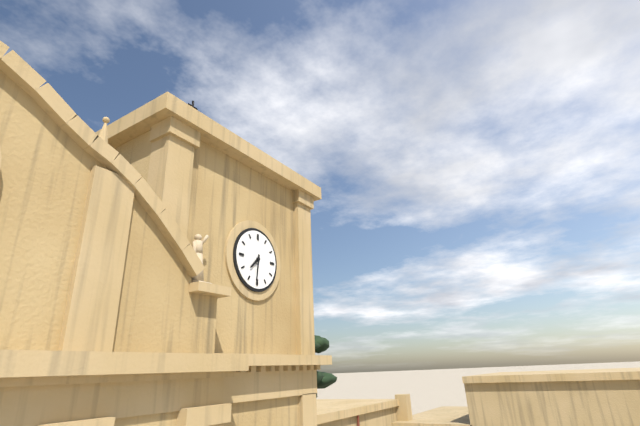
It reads 7,31
